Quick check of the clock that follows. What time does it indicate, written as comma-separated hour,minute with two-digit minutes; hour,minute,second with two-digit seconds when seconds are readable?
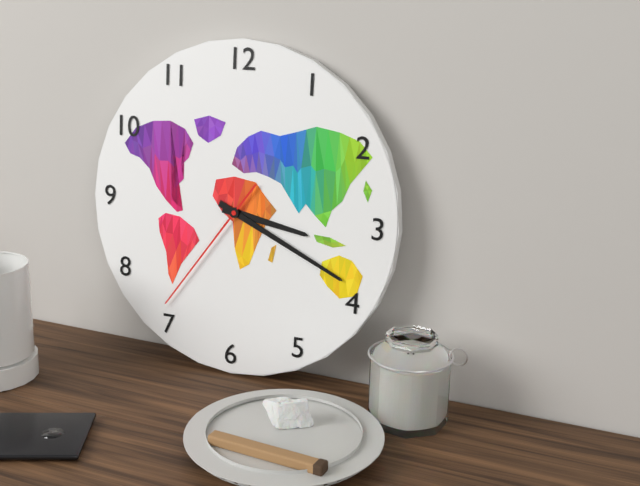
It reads 3,19,36
